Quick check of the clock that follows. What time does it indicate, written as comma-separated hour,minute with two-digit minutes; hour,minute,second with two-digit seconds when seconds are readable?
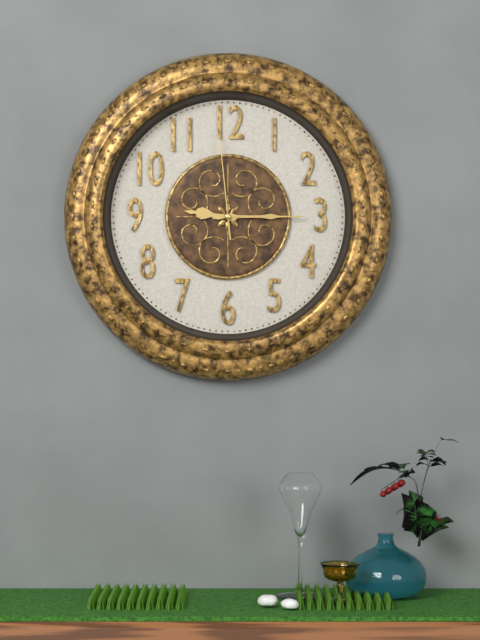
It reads 9,15,59
